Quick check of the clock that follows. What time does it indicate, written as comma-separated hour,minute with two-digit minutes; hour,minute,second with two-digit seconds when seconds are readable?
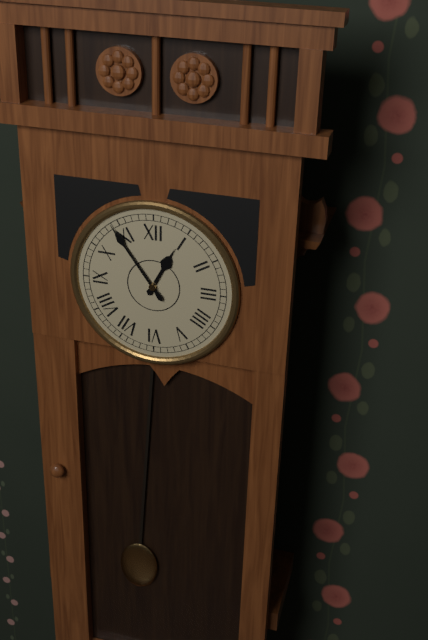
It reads 12,54
